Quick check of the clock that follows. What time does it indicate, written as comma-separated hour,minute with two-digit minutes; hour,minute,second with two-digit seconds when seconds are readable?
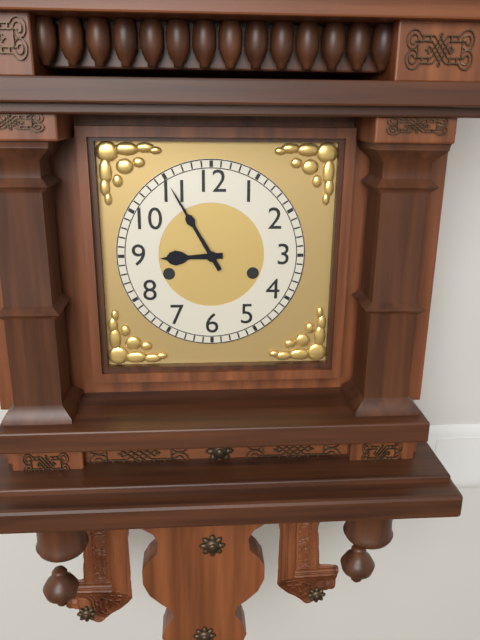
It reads 8,55
